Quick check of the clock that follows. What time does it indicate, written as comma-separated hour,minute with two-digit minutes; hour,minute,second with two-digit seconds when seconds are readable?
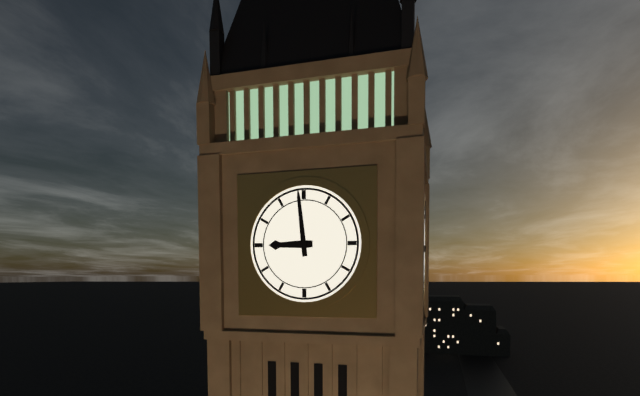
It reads 8,59
